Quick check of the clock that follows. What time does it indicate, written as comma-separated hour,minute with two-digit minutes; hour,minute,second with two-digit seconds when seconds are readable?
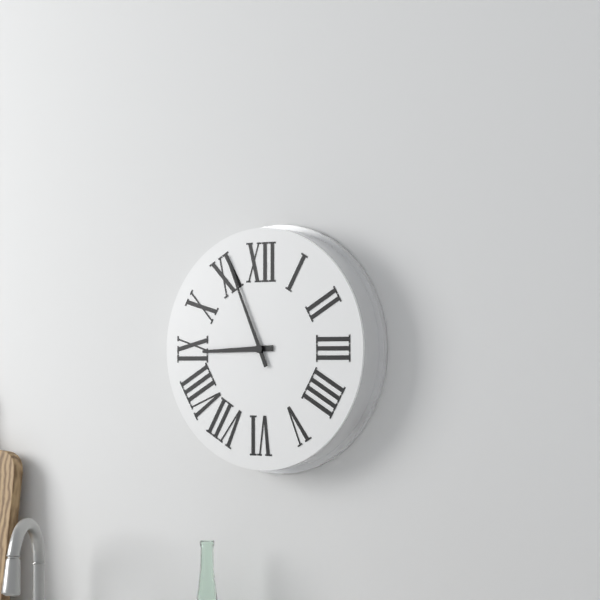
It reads 8,56
